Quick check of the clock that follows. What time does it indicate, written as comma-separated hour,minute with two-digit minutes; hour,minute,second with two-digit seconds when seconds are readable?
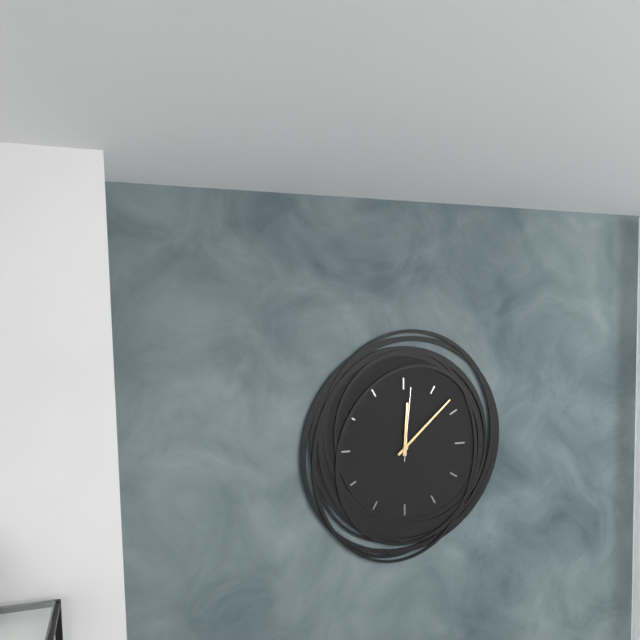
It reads 12,08,01
